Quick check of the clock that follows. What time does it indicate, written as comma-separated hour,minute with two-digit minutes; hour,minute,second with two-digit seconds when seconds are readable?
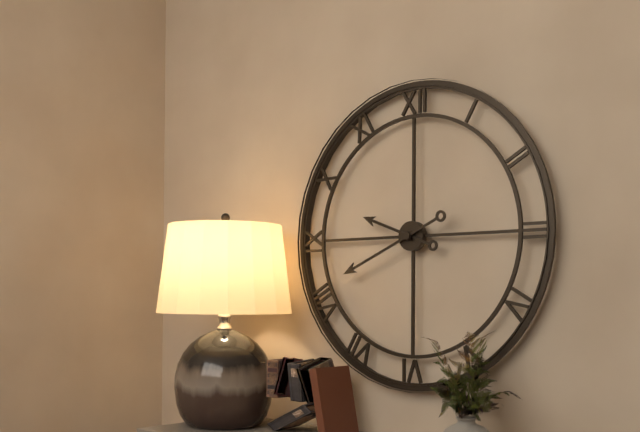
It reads 9,41
